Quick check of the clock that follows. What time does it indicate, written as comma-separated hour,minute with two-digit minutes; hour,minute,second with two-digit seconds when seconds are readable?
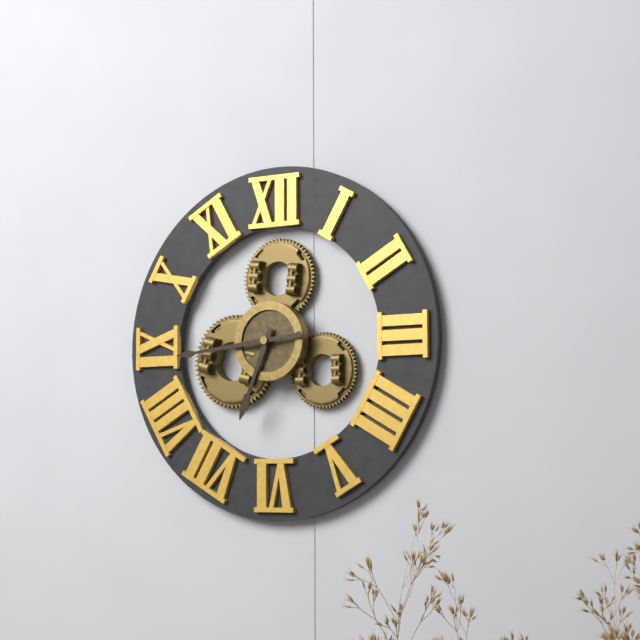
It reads 6,44
